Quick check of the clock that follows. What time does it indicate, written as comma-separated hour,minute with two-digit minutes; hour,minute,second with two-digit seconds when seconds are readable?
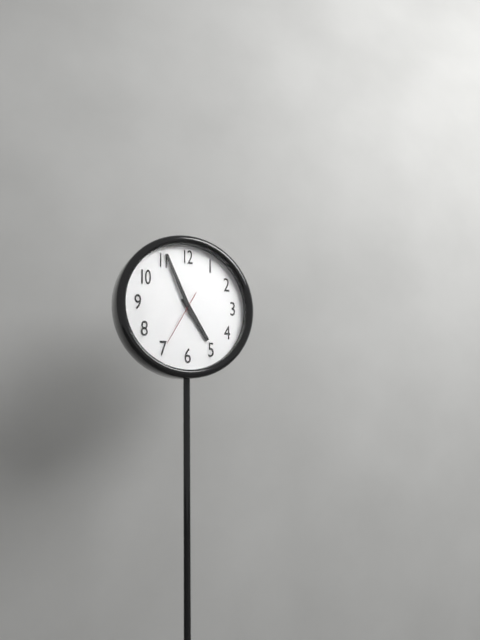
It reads 4,56,35
